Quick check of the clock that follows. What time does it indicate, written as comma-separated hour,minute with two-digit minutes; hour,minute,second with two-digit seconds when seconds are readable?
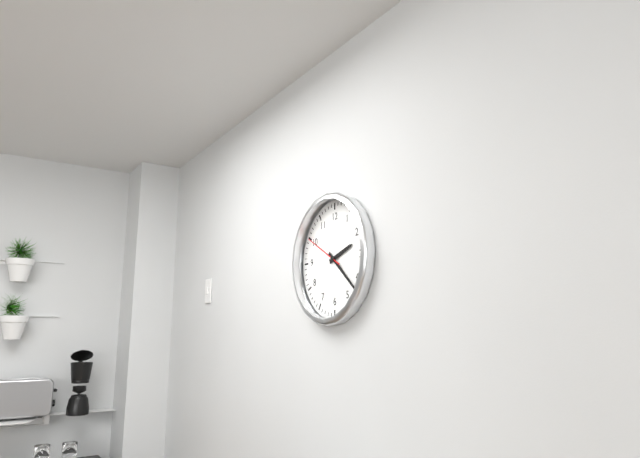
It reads 2,22
